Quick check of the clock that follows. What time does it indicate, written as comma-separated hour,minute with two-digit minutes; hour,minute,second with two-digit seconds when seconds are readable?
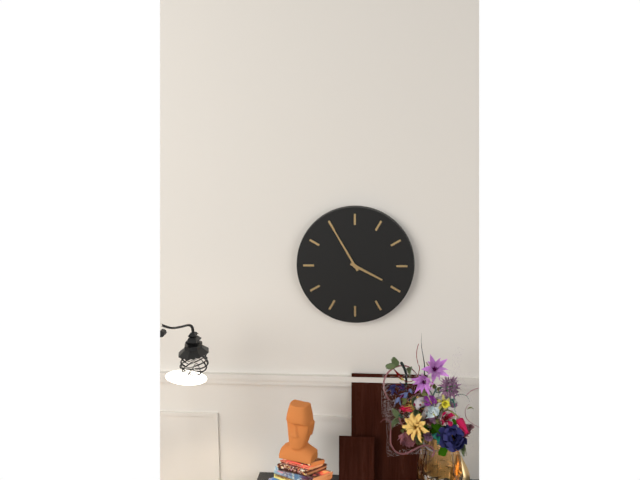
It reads 3,55
